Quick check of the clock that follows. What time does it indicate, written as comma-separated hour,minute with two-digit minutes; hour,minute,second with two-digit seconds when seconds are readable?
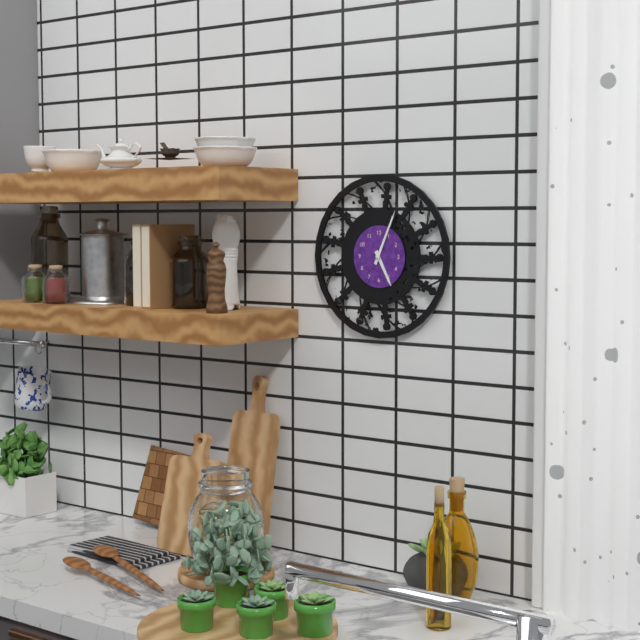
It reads 5,04
